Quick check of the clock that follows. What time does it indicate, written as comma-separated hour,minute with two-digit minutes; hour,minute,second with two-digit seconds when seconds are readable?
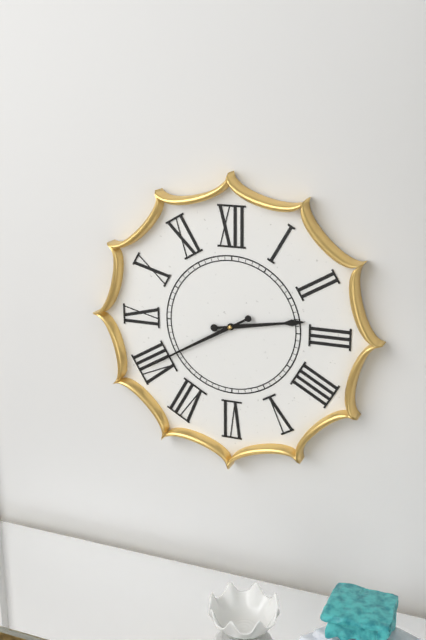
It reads 2,40
